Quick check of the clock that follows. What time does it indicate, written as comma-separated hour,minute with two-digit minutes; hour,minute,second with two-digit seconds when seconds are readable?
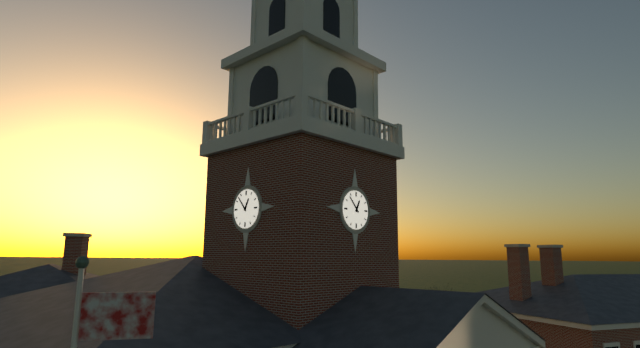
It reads 12,53
